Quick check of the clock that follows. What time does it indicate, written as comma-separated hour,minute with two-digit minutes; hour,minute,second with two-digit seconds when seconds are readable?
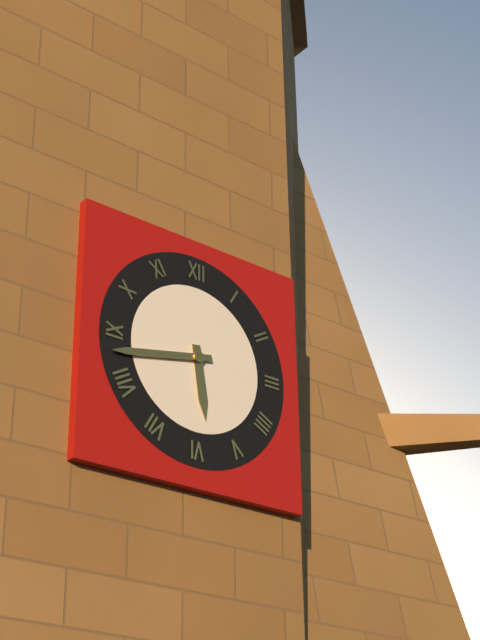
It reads 5,43
